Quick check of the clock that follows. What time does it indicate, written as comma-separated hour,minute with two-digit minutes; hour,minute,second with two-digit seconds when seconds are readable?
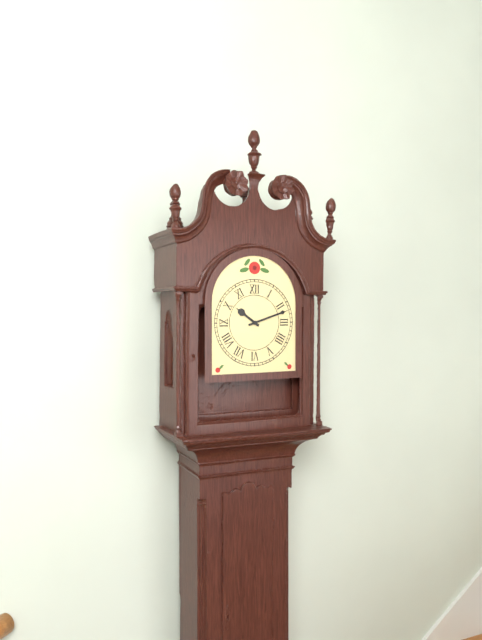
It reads 10,12
